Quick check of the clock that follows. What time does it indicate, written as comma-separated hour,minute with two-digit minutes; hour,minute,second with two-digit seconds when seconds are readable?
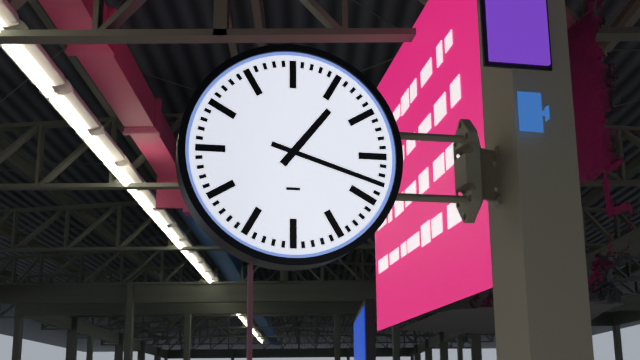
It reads 1,18
